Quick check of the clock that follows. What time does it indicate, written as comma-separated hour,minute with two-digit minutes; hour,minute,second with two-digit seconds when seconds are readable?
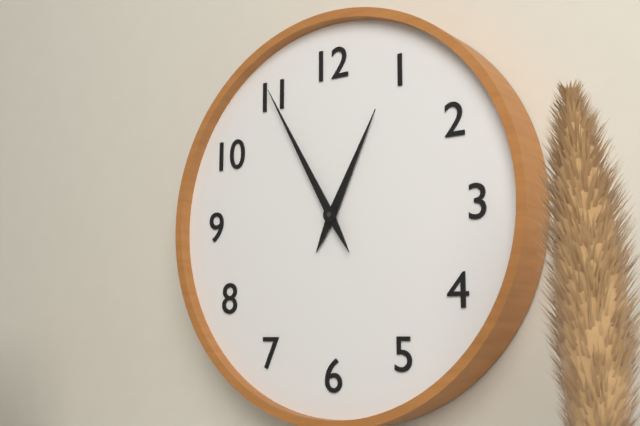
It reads 12,55
